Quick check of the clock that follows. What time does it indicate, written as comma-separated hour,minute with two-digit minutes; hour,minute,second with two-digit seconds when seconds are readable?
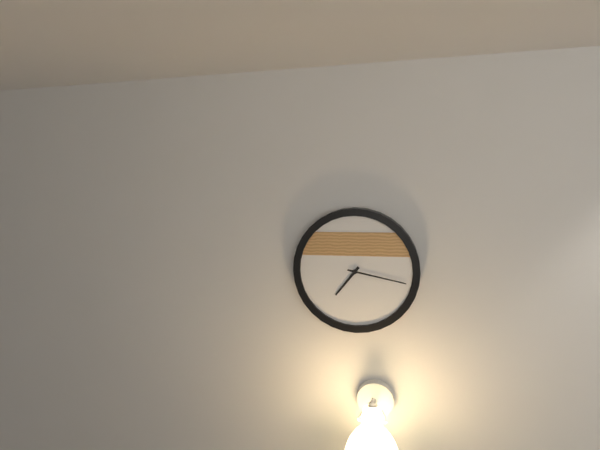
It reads 7,17
